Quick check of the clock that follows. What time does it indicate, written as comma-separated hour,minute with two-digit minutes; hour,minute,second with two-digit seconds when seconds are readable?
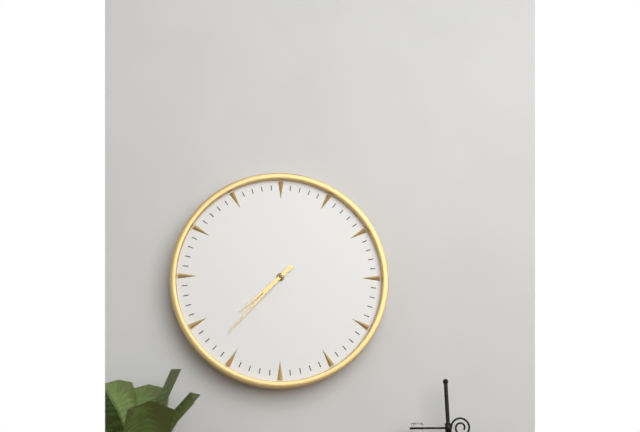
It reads 7,37
